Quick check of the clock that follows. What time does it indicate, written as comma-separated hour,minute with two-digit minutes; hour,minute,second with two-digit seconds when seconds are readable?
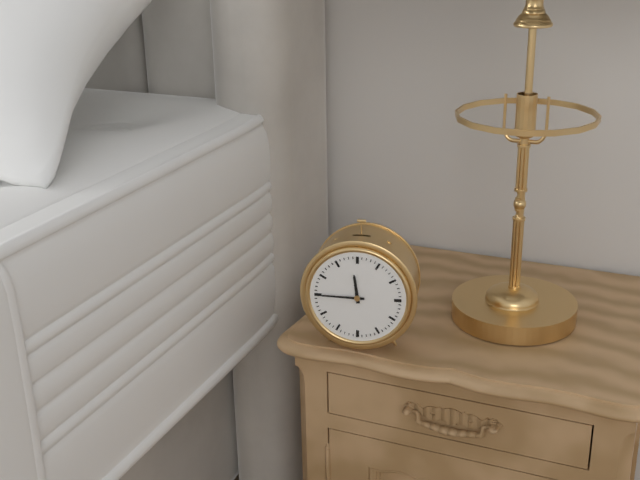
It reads 11,45
